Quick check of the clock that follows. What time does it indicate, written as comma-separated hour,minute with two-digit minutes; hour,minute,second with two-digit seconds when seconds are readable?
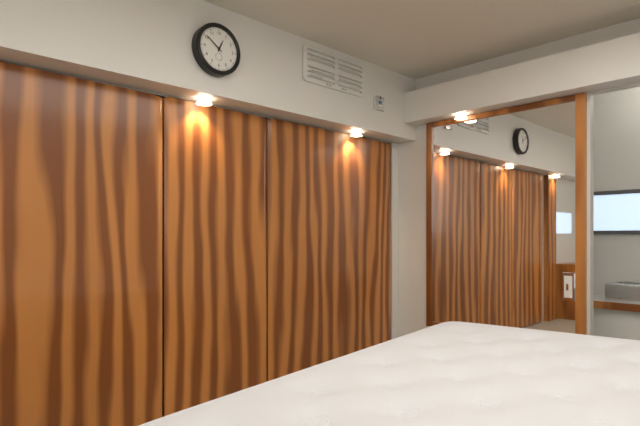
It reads 12,51
